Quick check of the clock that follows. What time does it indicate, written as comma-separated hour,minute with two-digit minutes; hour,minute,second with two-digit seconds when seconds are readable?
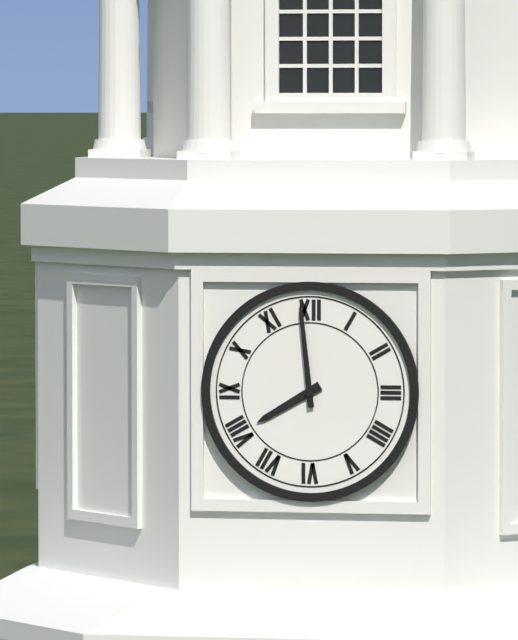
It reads 7,59
